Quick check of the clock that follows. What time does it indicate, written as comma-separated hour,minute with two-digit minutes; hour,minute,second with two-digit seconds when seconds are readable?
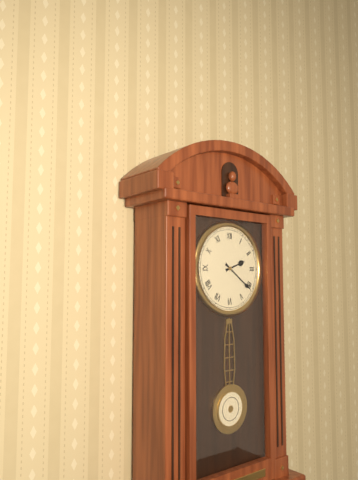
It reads 2,21
